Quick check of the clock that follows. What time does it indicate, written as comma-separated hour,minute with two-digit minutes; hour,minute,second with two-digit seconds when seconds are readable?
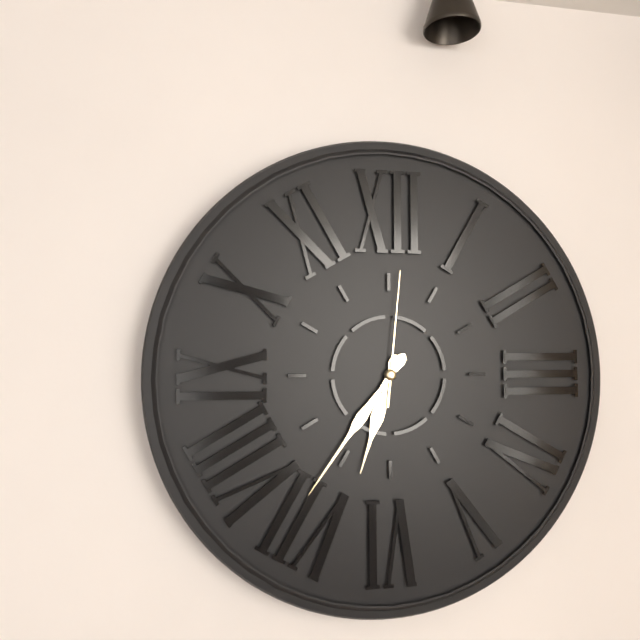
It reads 6,36,01
